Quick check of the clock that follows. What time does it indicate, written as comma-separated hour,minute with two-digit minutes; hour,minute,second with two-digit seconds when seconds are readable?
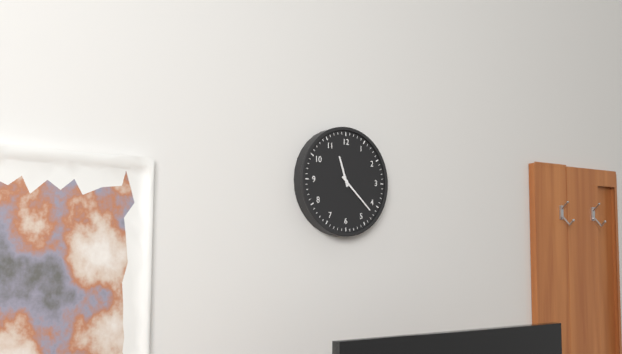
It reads 11,22
